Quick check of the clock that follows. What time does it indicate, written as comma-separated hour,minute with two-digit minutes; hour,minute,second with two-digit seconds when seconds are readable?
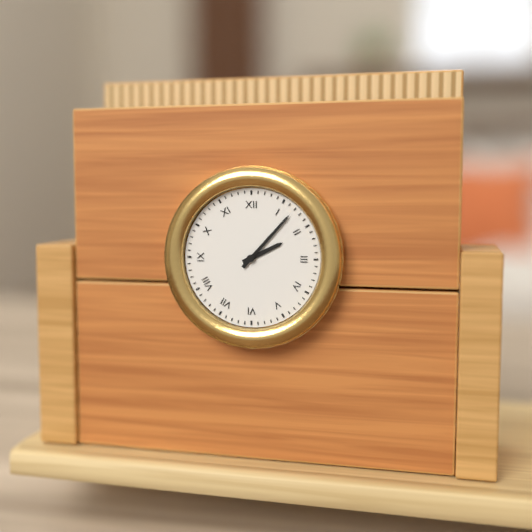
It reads 2,07
